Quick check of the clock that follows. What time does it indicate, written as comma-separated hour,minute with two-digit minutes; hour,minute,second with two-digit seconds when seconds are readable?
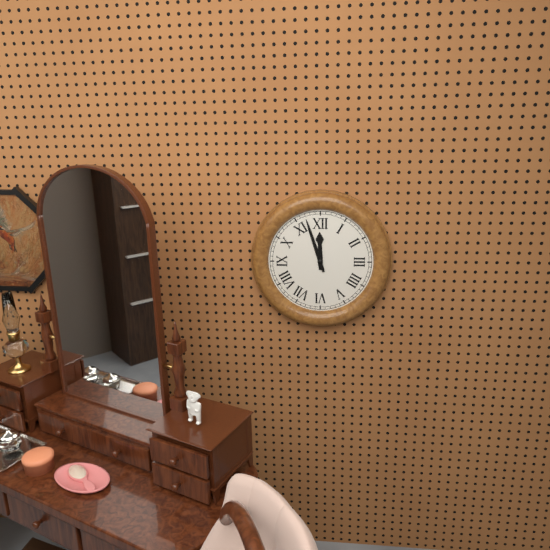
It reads 11,57
